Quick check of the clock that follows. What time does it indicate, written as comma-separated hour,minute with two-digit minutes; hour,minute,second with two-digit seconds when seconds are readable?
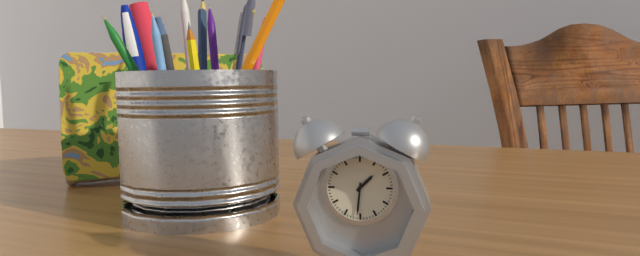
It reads 1,31
